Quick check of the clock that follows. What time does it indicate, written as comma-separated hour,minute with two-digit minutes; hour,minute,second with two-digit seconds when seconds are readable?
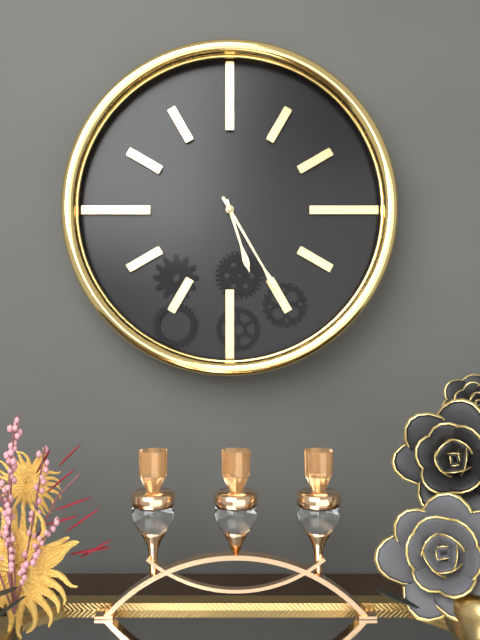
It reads 5,25
